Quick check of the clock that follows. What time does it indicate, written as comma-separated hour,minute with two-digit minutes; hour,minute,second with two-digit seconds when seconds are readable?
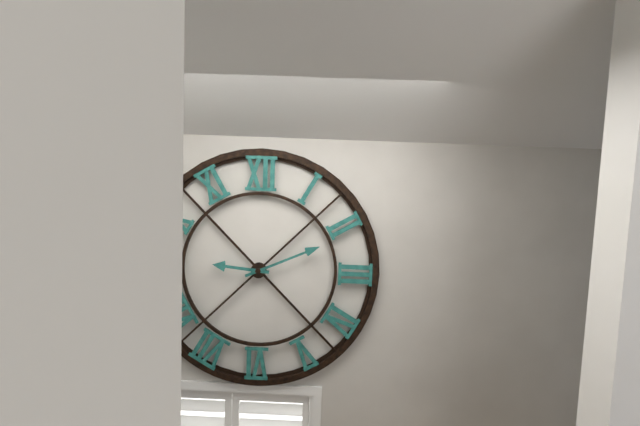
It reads 9,11
